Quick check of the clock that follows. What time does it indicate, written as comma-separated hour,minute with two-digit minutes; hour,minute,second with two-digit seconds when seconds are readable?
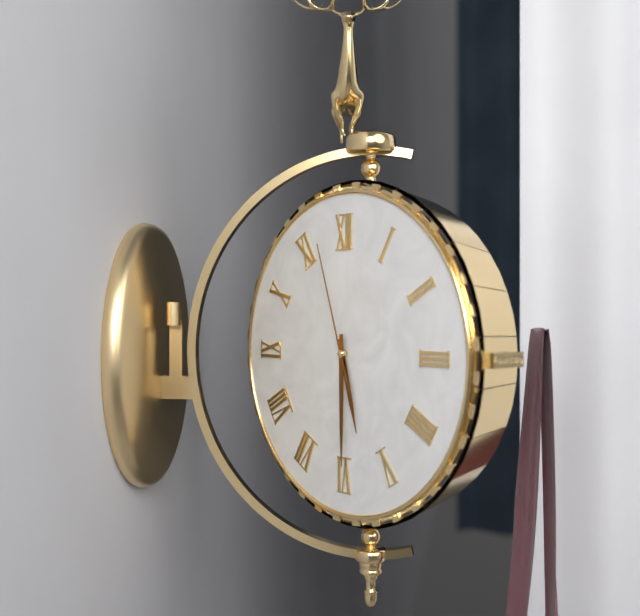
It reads 5,30,57
